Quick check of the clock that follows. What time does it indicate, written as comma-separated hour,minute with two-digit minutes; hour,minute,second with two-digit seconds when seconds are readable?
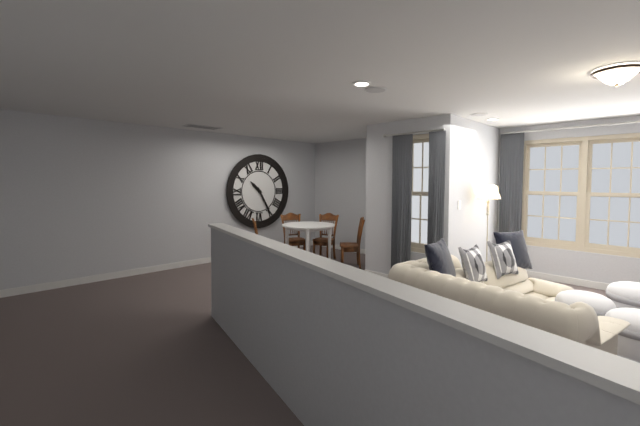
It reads 10,25
